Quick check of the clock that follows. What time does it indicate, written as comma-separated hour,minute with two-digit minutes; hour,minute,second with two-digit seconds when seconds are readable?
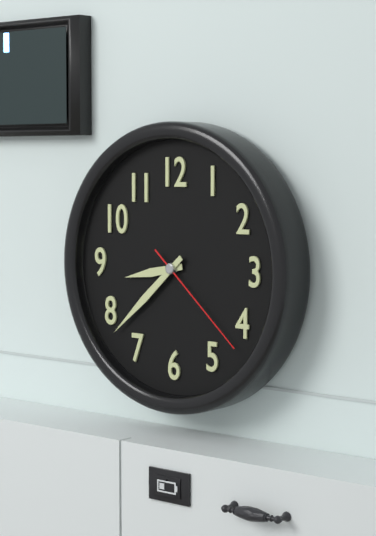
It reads 8,38,22
